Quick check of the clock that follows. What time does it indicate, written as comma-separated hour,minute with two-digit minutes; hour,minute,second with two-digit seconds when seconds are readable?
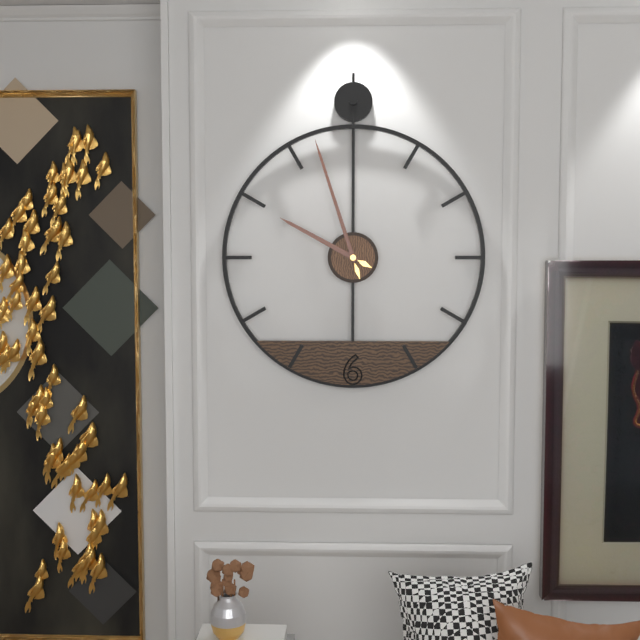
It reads 9,57
